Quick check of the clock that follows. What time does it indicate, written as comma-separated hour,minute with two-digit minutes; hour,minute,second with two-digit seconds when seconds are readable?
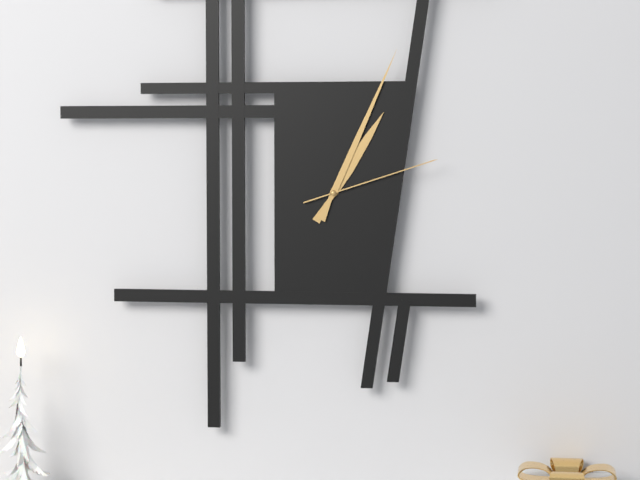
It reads 1,04,12
